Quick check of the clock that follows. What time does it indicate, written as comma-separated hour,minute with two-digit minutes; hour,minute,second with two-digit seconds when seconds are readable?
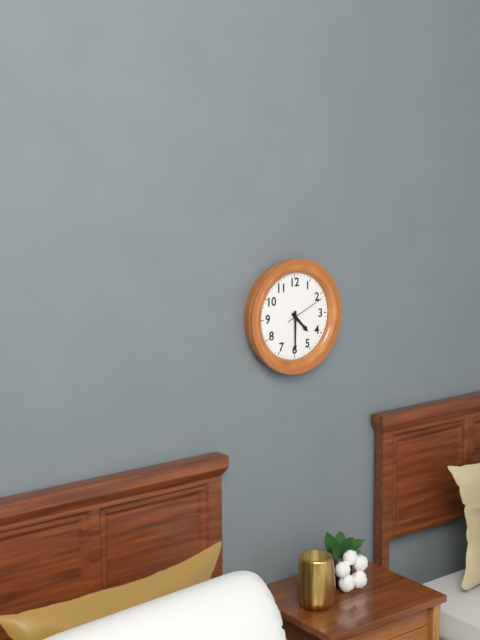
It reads 4,30
